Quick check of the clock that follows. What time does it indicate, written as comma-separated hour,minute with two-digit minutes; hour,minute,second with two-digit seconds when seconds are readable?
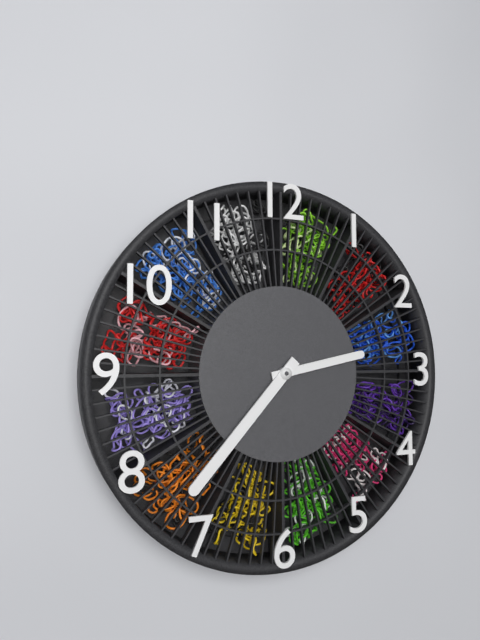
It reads 2,37
